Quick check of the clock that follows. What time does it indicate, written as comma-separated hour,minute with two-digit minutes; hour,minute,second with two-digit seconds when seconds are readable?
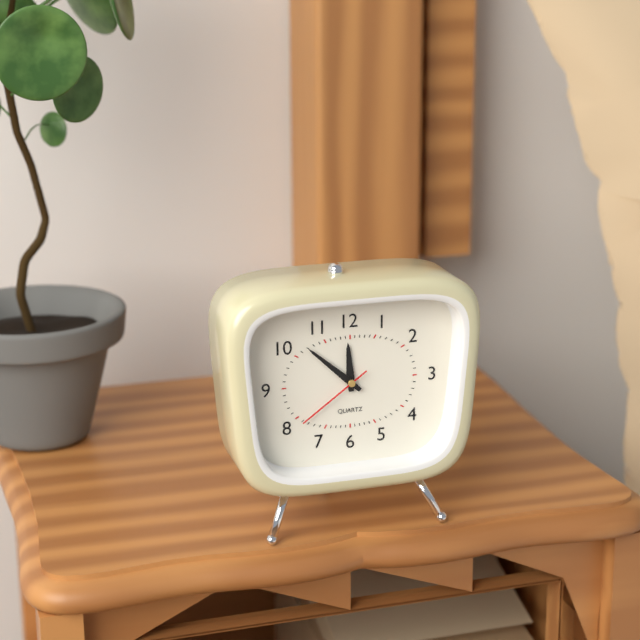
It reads 11,52,39
